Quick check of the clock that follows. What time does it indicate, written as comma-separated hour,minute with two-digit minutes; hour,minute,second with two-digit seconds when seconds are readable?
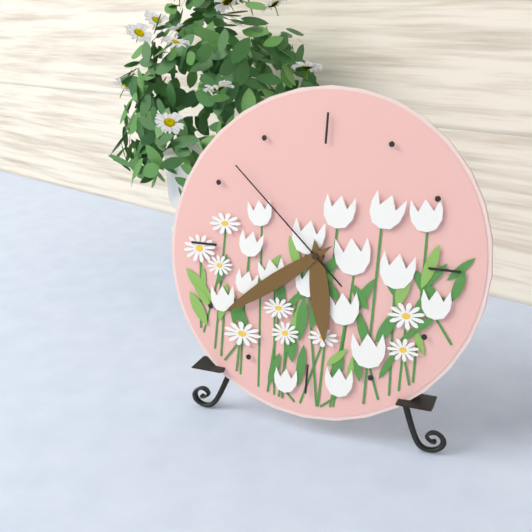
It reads 5,39,52
